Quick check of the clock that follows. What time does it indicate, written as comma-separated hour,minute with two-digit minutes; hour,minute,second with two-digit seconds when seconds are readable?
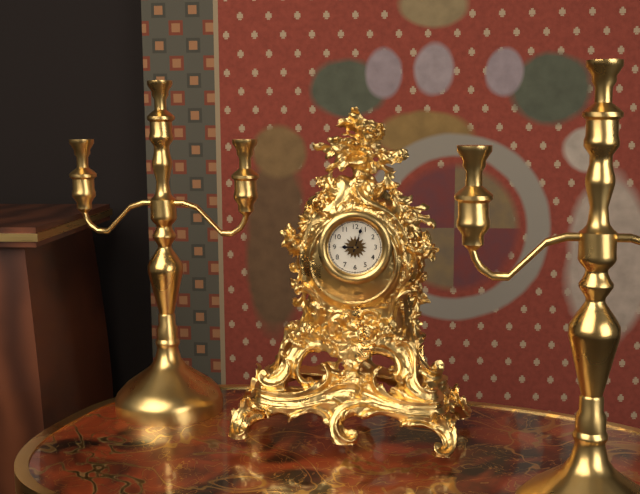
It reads 9,03
